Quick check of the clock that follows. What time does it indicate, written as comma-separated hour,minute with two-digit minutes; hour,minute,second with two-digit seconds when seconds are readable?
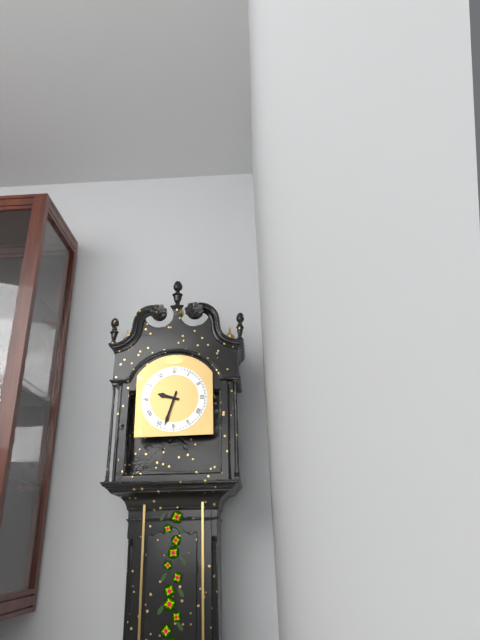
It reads 9,33
